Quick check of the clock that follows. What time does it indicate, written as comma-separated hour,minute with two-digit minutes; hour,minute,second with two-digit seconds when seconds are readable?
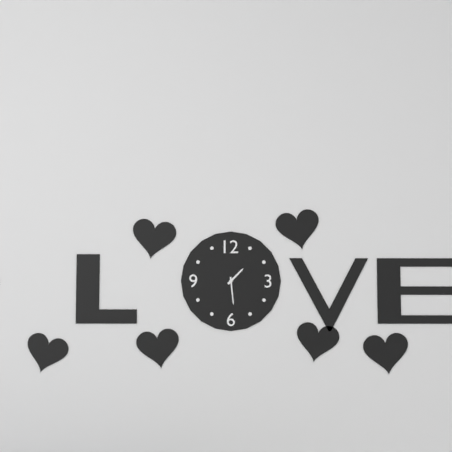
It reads 1,29
